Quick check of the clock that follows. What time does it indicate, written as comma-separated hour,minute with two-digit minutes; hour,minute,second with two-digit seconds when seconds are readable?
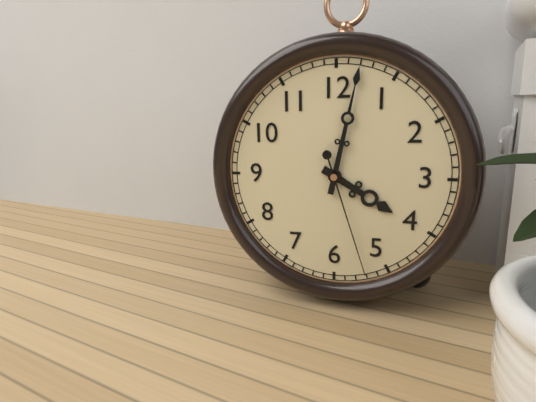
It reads 4,02,27
